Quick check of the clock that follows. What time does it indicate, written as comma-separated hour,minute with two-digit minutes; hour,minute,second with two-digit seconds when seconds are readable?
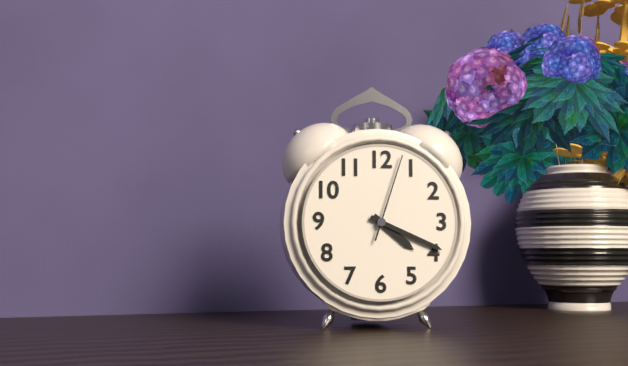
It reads 4,19,03
